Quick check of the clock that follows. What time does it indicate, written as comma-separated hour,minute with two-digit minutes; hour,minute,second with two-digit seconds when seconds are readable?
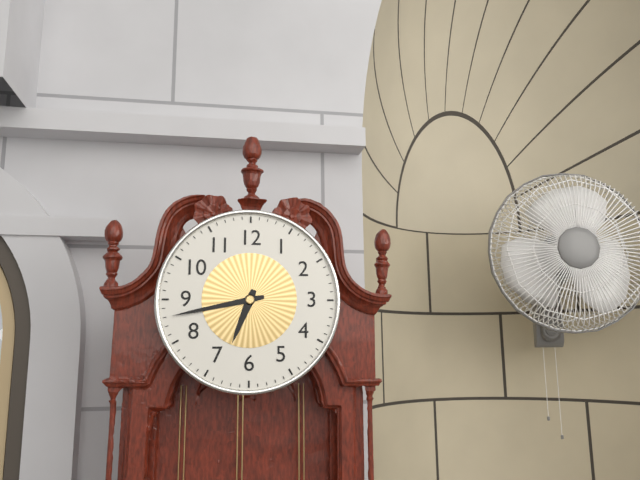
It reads 6,43
